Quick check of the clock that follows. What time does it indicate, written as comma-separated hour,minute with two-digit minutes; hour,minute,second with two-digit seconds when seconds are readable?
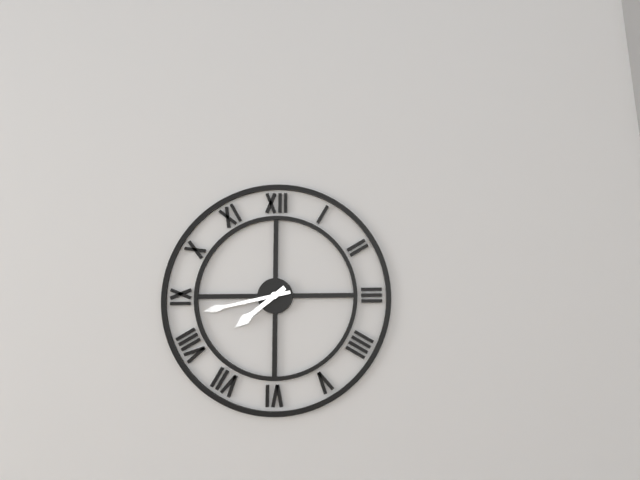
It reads 7,43
